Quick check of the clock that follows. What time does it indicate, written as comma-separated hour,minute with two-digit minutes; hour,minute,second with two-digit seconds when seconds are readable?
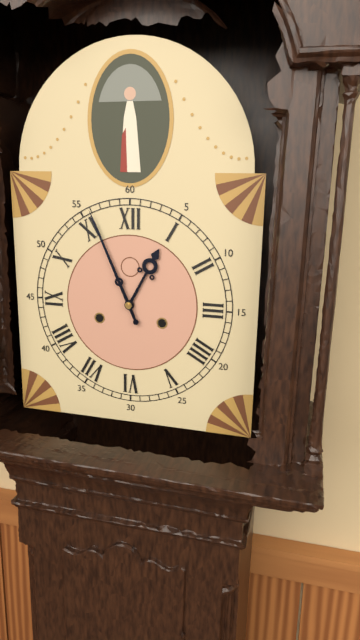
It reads 12,56
